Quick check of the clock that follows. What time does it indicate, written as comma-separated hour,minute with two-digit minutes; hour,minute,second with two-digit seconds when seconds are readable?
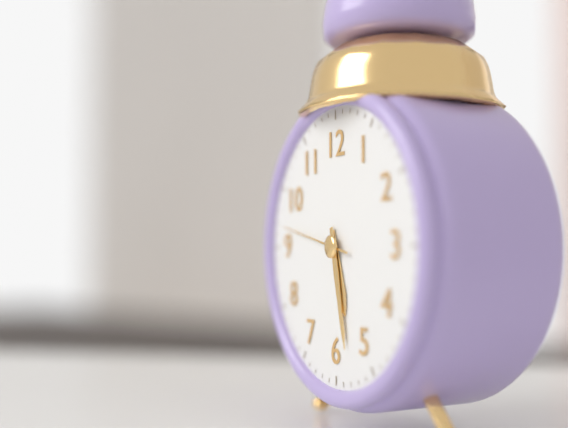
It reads 5,28,47
